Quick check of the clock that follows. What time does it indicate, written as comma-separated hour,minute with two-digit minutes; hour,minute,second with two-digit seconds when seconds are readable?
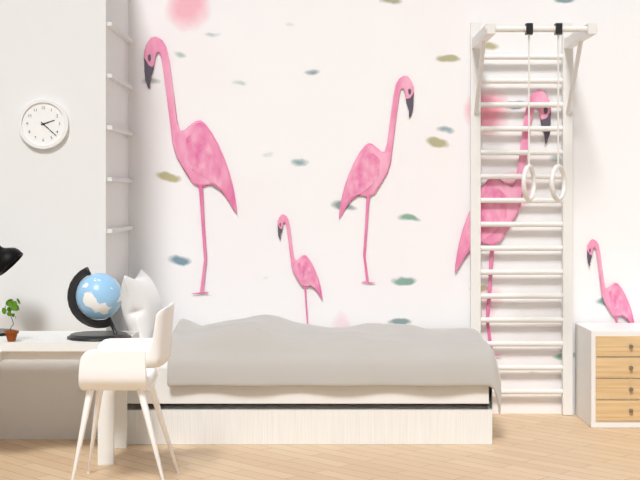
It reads 2,22
